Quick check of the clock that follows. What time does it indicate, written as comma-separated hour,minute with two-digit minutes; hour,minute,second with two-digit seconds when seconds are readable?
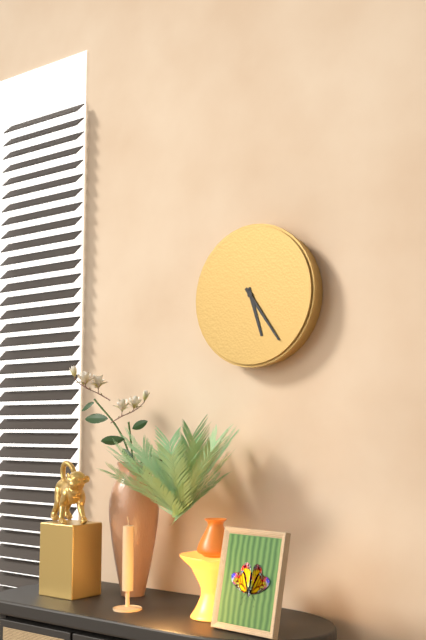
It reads 5,24
